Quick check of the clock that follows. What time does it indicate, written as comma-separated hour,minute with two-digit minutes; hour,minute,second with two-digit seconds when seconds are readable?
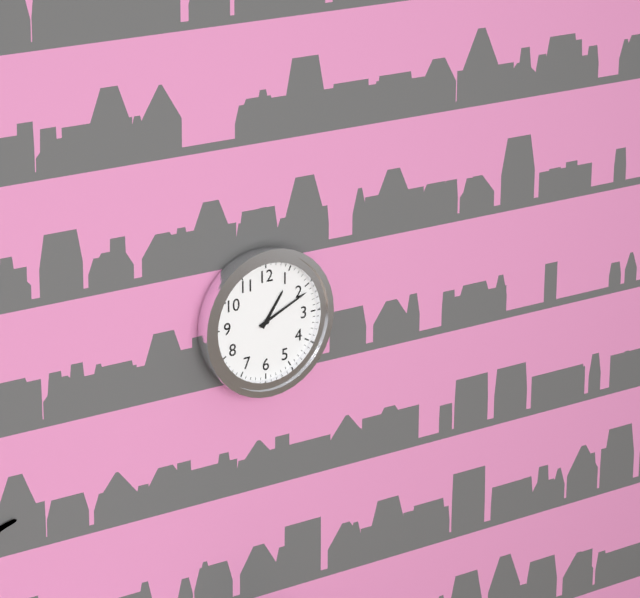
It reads 1,11
